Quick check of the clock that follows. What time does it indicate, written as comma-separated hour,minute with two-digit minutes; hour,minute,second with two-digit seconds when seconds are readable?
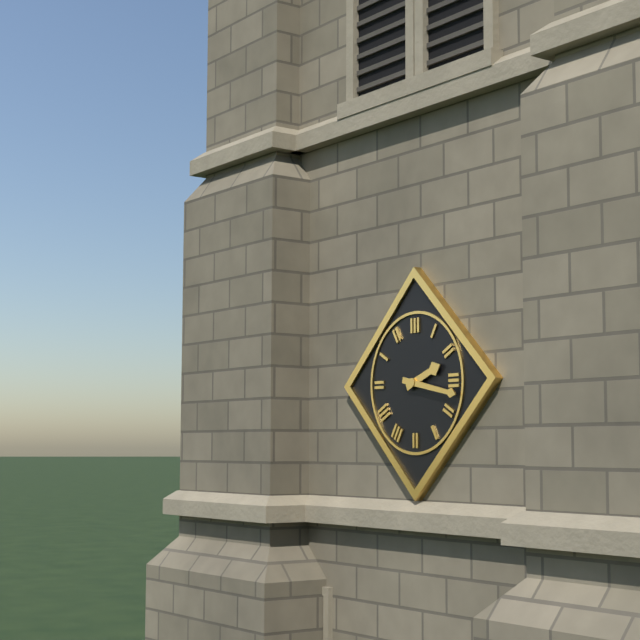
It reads 2,17
